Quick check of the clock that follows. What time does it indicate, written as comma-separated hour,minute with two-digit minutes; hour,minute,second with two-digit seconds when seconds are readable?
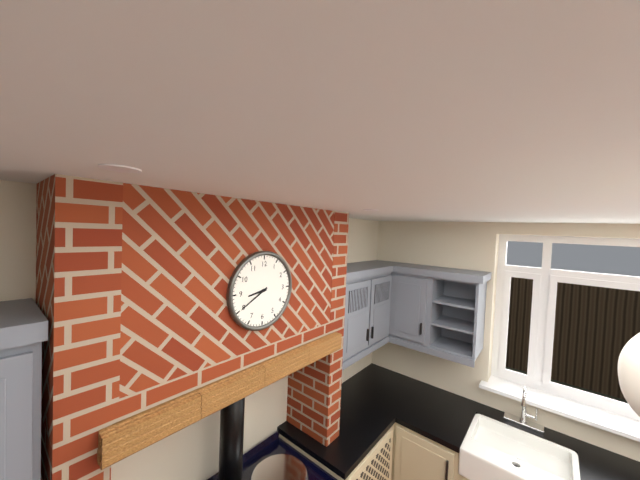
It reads 8,40
